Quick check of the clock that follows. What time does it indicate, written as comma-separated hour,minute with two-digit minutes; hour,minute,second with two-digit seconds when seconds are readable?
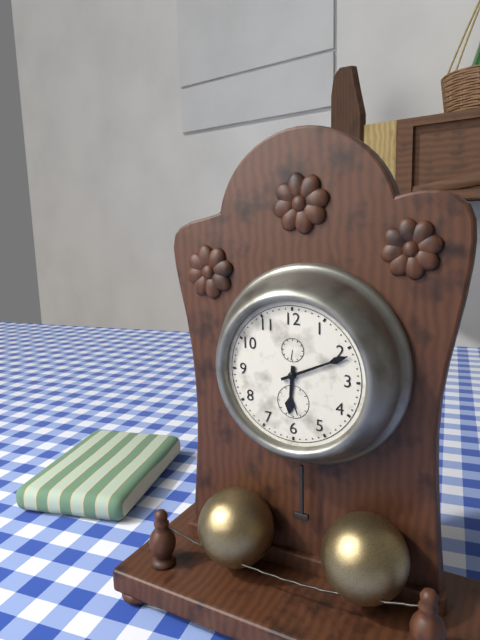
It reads 6,11
